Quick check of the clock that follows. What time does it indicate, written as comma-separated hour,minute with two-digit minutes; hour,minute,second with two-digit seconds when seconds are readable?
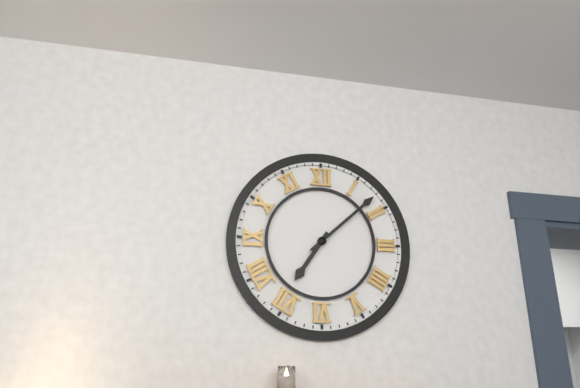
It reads 7,08
